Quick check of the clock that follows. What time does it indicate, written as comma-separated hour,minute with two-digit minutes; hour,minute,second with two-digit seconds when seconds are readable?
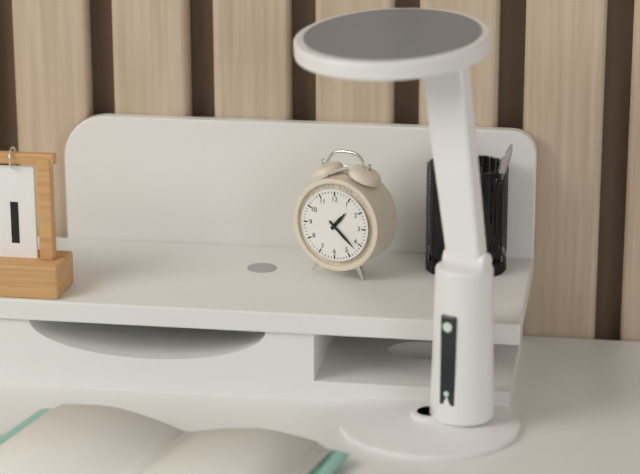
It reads 1,22
